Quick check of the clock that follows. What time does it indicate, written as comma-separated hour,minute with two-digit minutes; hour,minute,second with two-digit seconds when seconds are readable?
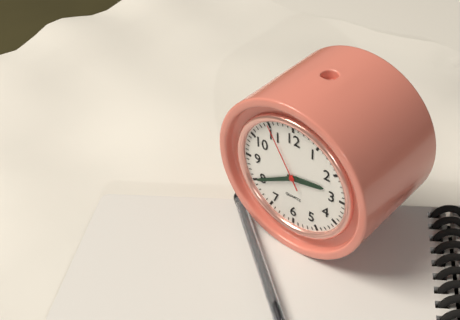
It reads 2,40,55
